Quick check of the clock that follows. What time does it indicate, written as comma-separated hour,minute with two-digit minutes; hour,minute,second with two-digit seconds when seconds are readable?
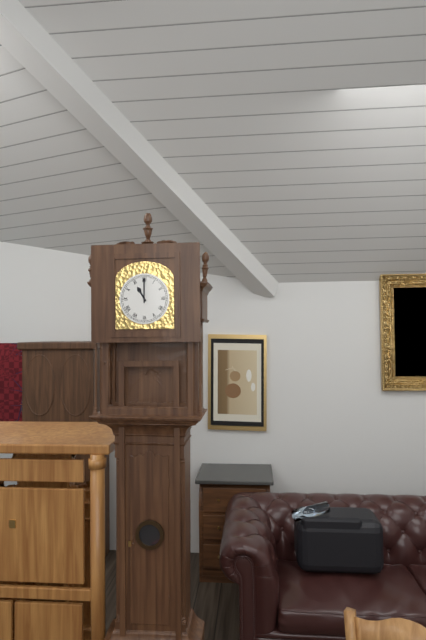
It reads 11,00
